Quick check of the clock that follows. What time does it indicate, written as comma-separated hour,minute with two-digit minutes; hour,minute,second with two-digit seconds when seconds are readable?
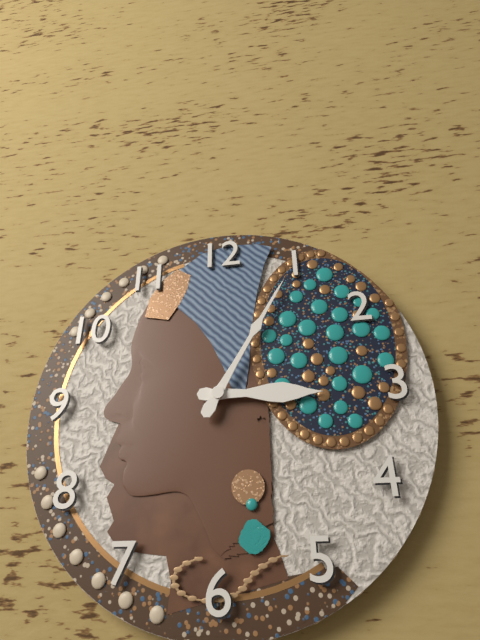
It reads 3,05
